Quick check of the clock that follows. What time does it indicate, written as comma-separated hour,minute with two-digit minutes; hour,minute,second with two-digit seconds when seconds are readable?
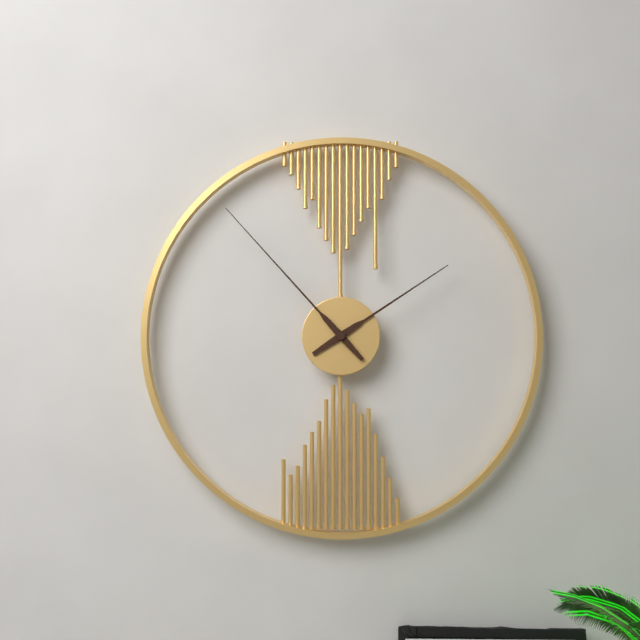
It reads 1,53
